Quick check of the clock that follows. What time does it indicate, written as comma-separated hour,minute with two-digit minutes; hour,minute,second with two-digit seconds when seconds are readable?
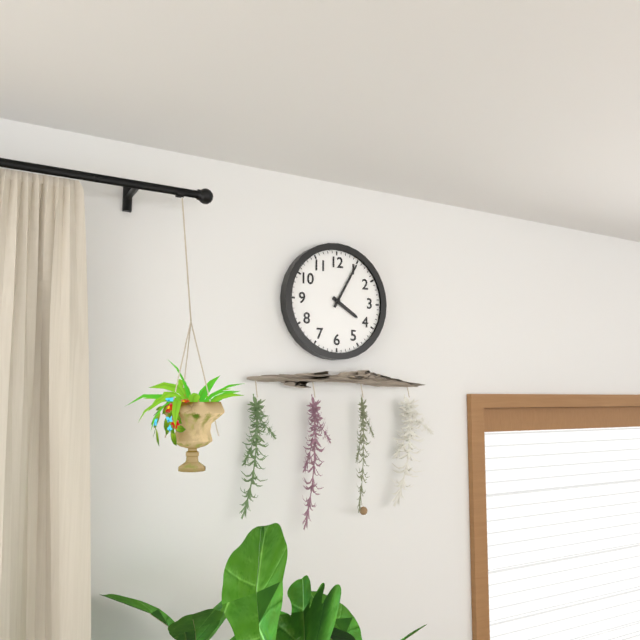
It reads 4,05
